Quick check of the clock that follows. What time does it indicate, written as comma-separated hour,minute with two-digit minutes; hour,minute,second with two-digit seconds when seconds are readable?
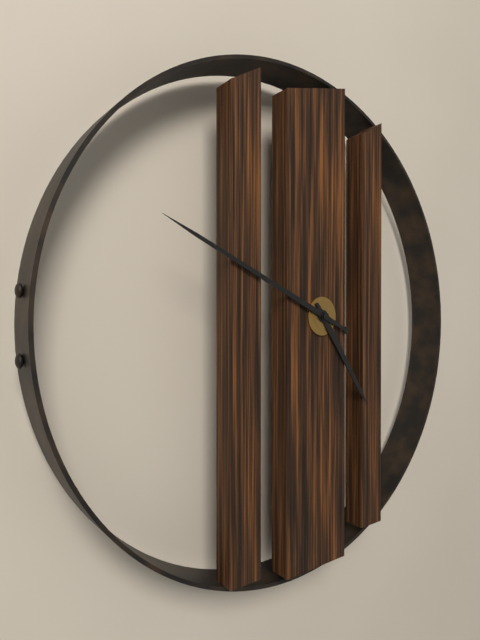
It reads 4,49
